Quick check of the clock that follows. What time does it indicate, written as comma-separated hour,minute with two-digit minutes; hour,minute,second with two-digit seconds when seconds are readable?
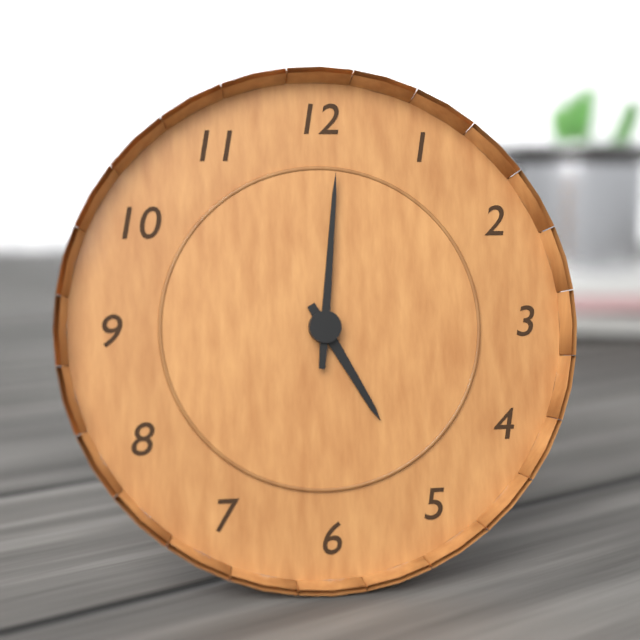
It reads 5,01
